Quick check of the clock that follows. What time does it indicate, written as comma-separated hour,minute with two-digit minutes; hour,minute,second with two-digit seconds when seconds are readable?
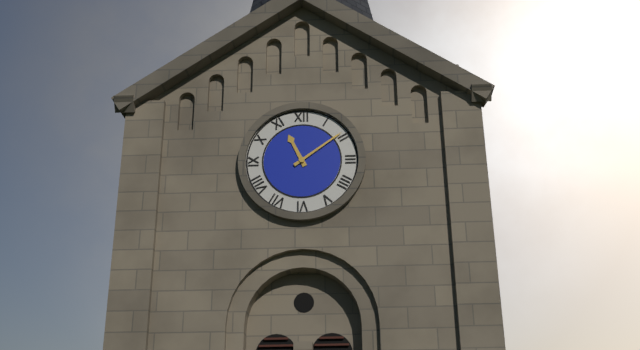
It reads 11,09
